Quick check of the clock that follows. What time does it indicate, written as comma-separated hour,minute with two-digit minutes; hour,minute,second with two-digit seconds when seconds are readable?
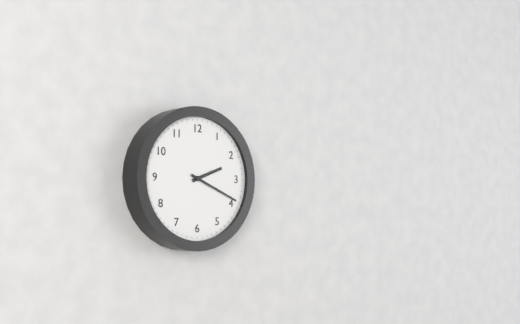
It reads 2,19
